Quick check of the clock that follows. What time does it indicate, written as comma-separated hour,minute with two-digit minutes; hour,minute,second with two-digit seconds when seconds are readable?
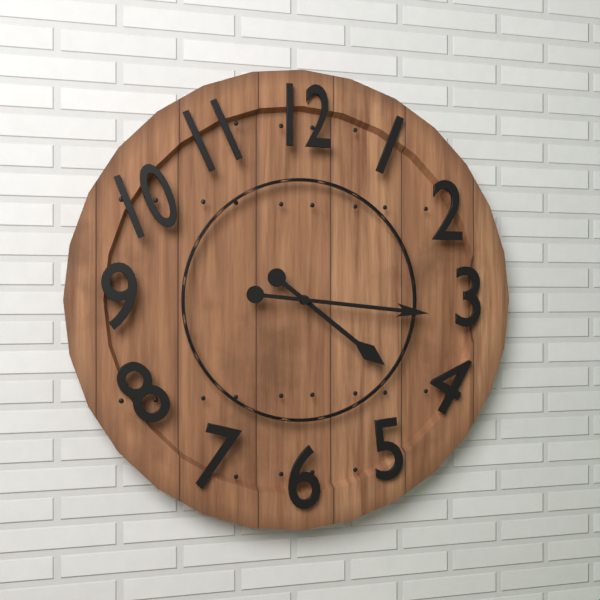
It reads 4,16
